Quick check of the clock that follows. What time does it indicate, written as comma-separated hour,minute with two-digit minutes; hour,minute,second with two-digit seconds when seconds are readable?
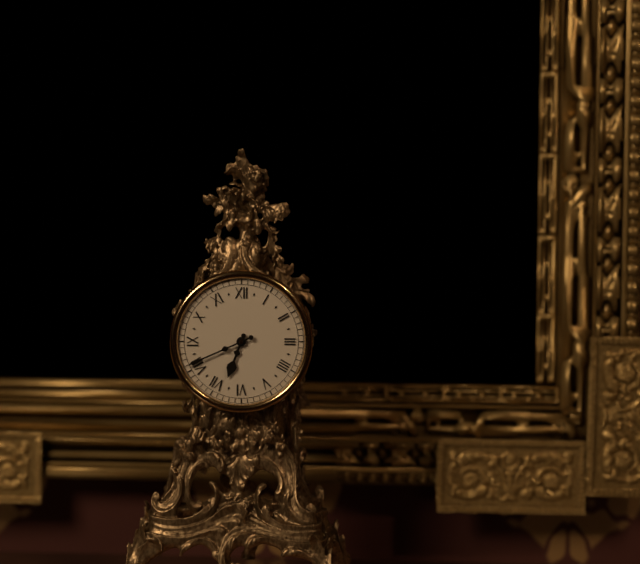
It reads 6,41
